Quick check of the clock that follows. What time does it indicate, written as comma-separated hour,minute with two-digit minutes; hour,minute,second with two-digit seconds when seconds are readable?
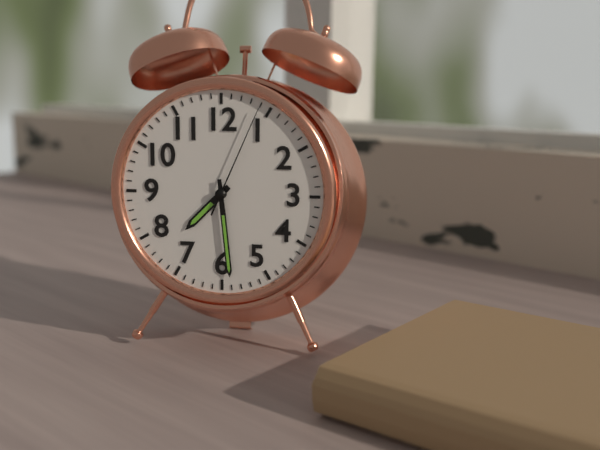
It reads 7,29,04
